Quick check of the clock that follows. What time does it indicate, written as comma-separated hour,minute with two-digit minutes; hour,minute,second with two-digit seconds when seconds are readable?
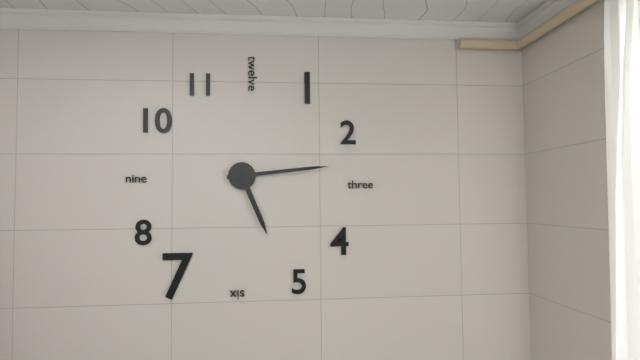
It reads 5,14
